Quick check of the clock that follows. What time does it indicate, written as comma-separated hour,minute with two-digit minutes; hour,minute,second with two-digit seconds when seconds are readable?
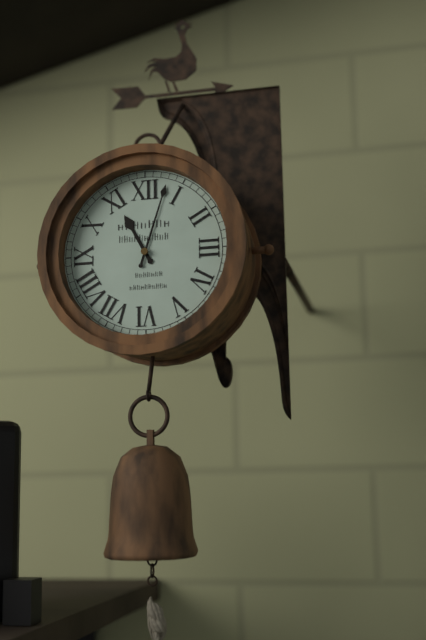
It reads 11,03
